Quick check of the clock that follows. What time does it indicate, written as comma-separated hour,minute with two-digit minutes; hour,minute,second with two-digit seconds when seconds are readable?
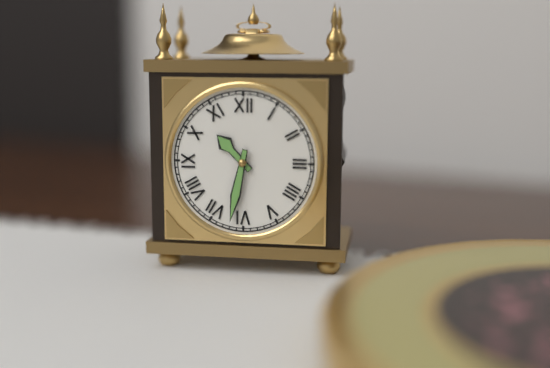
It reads 10,32
